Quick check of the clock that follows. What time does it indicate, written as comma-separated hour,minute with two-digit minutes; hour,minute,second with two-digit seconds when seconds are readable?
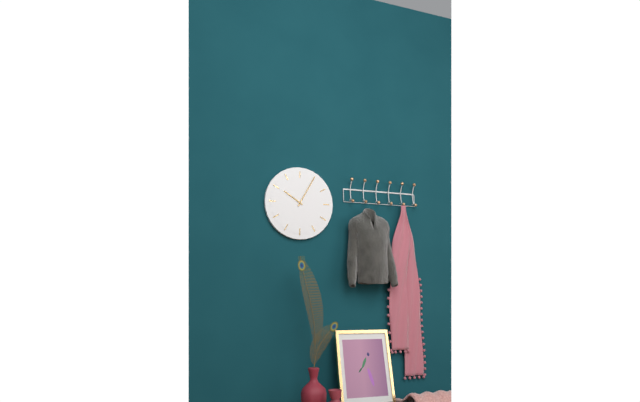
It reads 10,05
